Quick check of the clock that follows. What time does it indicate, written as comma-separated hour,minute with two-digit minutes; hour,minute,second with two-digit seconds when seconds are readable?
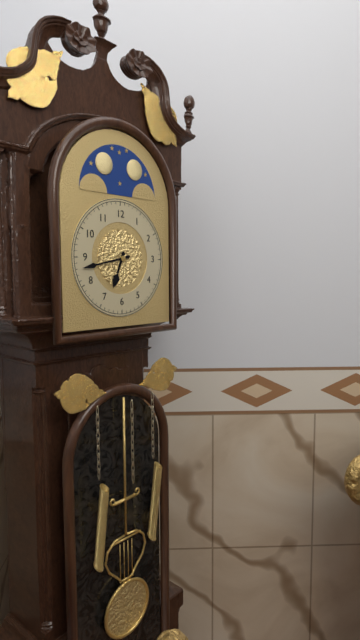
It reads 6,43
